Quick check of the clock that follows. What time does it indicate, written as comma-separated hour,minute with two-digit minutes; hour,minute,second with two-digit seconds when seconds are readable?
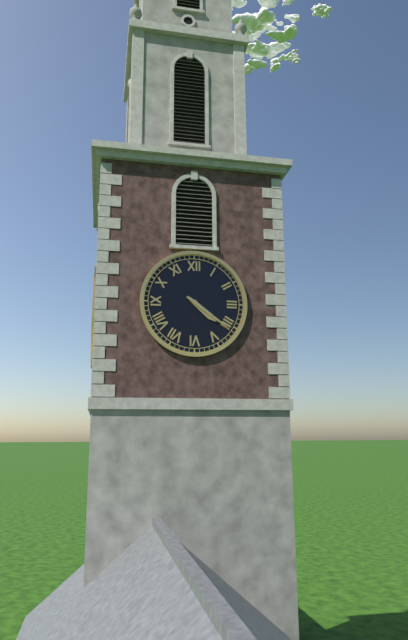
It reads 4,21
